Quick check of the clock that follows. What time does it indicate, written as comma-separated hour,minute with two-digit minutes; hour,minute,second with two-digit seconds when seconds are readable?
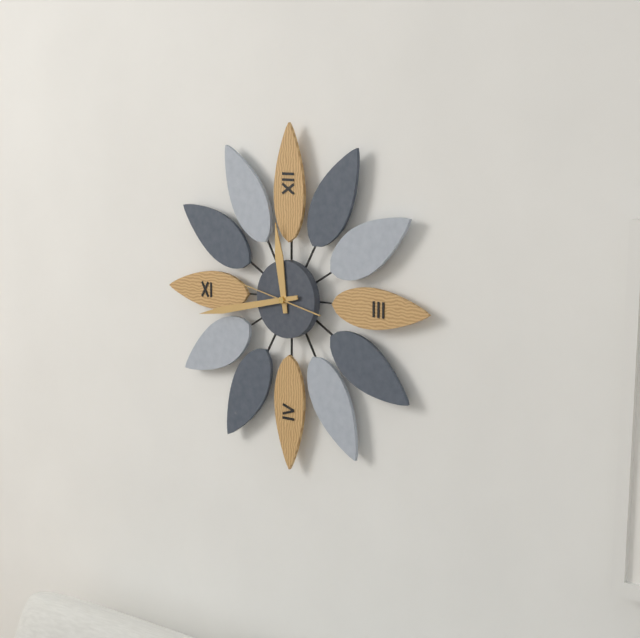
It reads 11,43,47
